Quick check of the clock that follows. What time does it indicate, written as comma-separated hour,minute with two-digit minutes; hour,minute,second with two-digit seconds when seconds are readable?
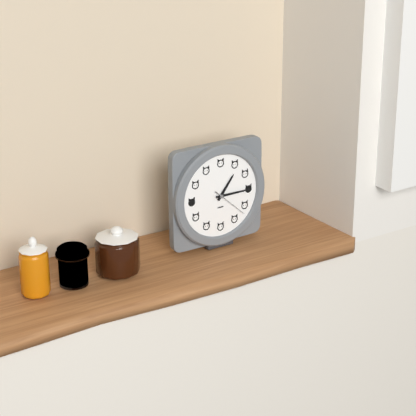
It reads 1,15
